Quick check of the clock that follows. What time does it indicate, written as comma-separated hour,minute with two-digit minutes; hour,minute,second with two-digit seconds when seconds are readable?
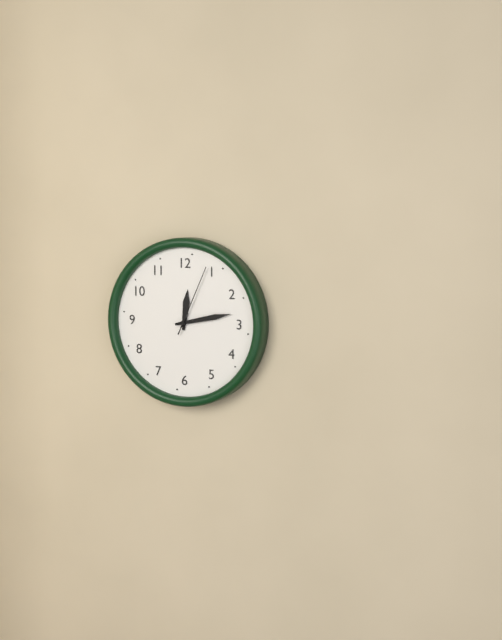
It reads 12,13,04
